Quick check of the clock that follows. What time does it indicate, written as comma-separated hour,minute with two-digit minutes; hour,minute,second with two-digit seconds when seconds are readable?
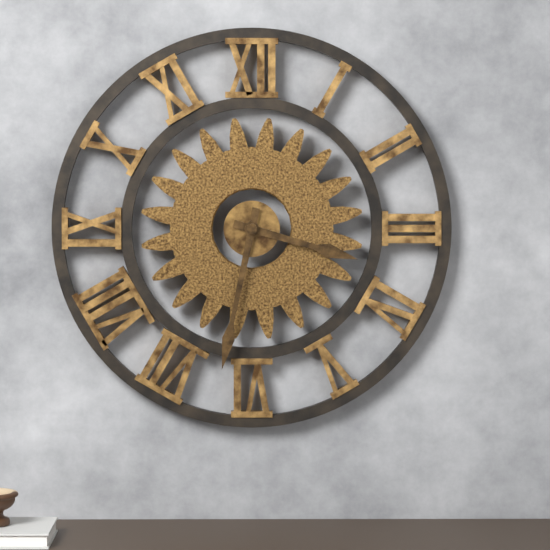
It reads 3,32
